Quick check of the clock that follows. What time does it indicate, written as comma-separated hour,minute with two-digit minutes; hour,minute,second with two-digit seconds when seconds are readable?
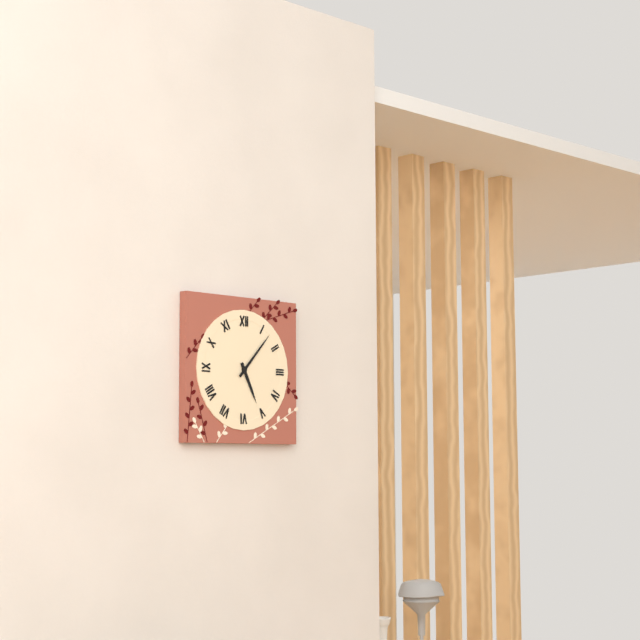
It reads 5,07
